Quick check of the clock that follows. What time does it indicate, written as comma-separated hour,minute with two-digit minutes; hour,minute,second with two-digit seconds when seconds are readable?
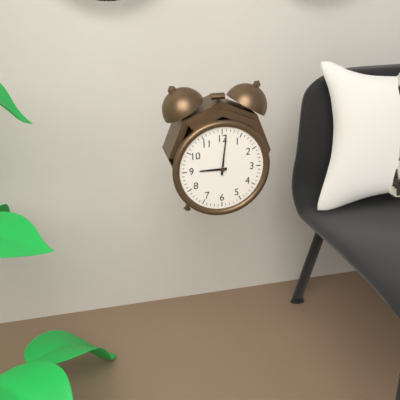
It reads 9,01
